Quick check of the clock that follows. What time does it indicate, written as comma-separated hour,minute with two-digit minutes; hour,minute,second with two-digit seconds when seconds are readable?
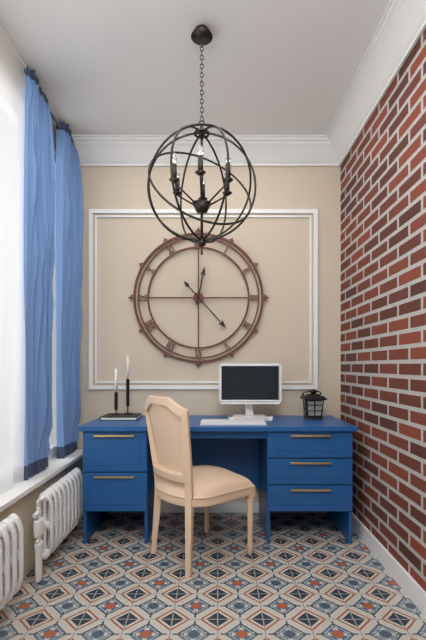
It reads 12,23
